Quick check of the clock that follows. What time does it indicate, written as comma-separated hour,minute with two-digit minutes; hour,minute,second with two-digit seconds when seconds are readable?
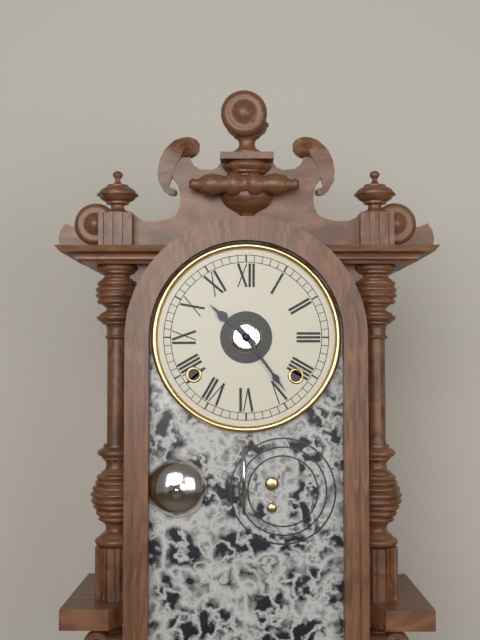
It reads 10,24
